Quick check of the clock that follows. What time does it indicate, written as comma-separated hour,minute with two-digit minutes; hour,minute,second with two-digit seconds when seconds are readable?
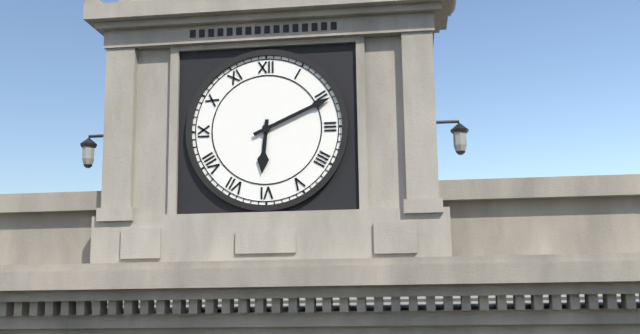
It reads 6,11
